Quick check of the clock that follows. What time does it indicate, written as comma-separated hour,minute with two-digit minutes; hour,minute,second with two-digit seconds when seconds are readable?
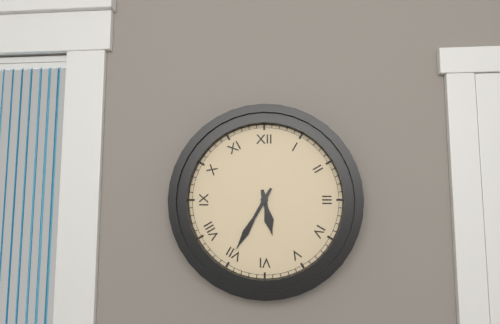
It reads 5,35
